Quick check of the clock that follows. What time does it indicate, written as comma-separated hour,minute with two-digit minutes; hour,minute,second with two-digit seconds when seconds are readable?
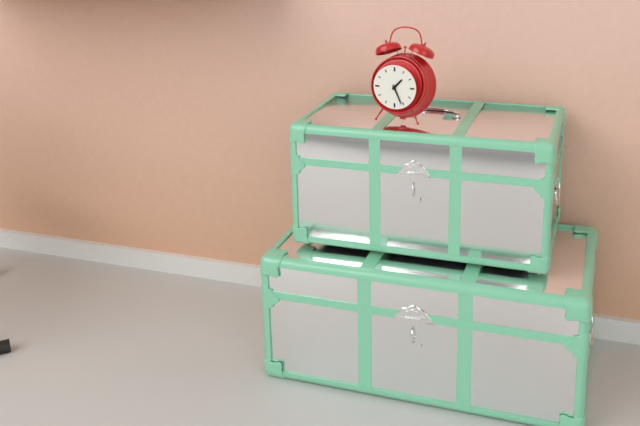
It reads 1,26
